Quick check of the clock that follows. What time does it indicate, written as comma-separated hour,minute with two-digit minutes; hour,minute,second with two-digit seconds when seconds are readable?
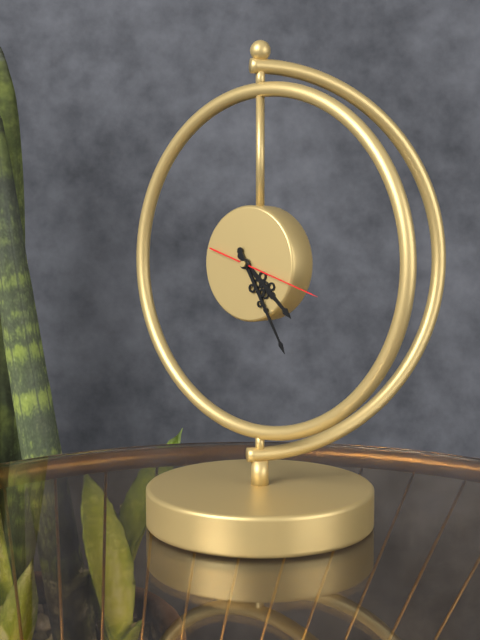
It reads 4,25,18
